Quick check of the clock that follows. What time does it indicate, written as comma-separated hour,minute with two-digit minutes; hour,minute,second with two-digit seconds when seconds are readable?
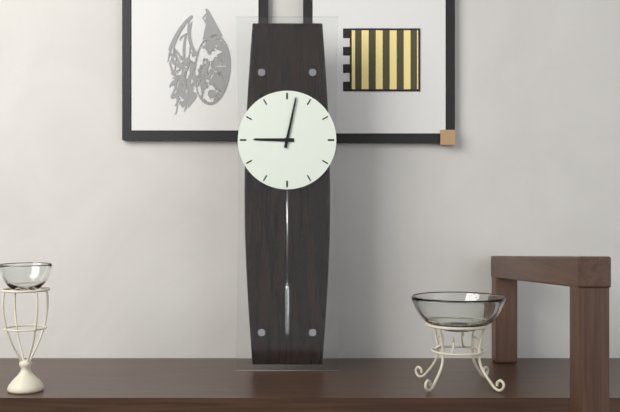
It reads 9,02
